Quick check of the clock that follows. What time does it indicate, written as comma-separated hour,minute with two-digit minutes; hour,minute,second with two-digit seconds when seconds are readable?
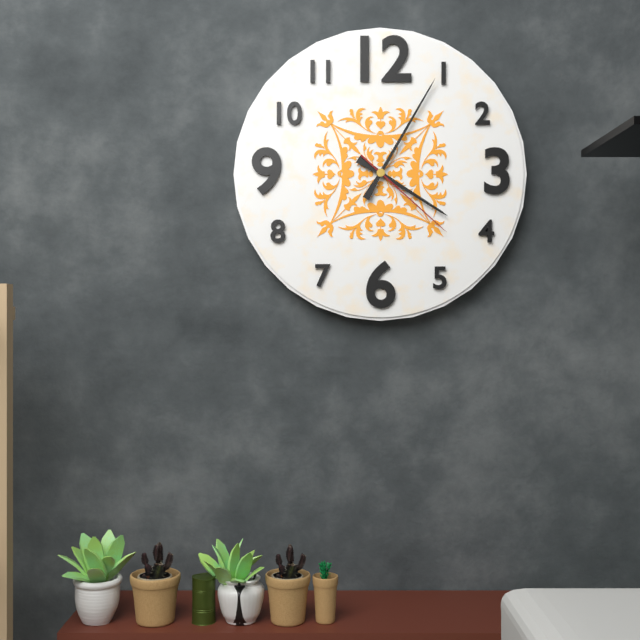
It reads 4,05,22
